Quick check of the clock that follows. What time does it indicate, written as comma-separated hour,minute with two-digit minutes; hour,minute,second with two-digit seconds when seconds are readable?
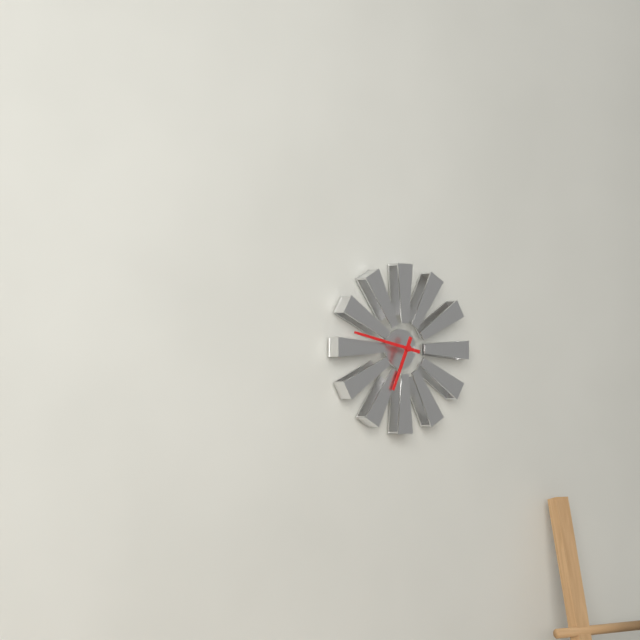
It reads 6,47
